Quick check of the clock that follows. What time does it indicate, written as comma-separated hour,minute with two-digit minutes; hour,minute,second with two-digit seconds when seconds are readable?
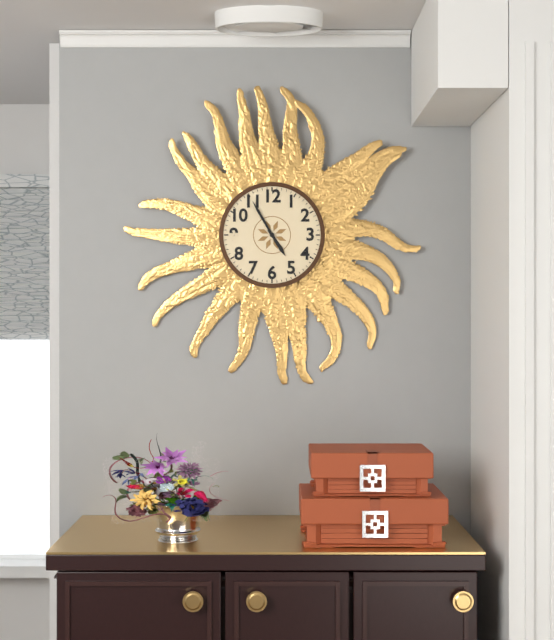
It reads 4,55
